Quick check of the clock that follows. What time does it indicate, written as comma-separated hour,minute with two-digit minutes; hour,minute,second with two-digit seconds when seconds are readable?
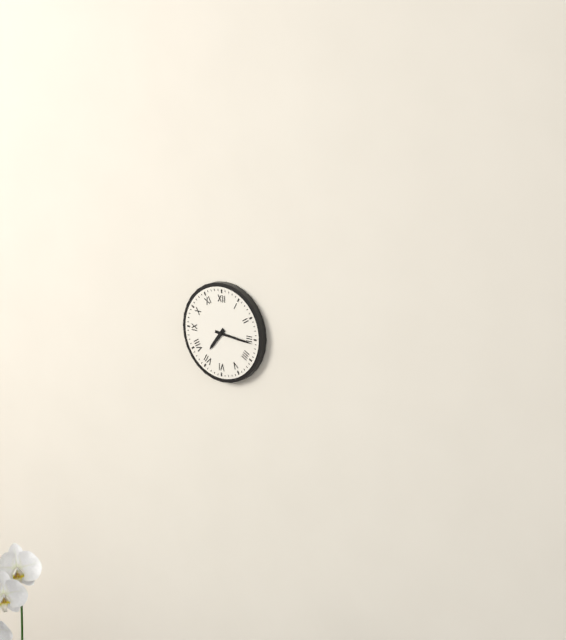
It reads 7,16
